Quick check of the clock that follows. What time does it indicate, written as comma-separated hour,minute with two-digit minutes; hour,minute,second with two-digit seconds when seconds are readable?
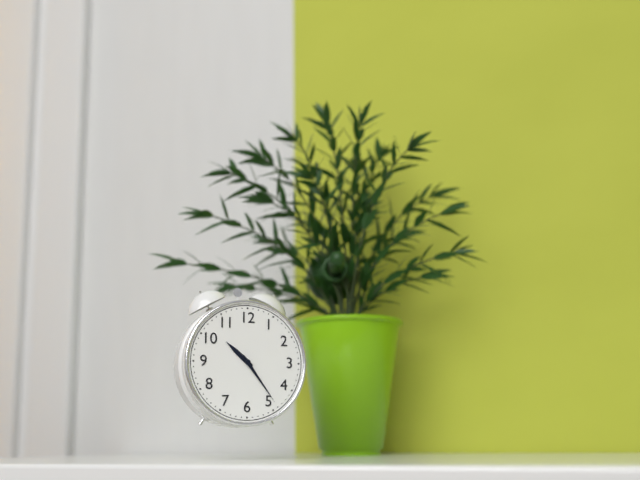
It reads 10,24
